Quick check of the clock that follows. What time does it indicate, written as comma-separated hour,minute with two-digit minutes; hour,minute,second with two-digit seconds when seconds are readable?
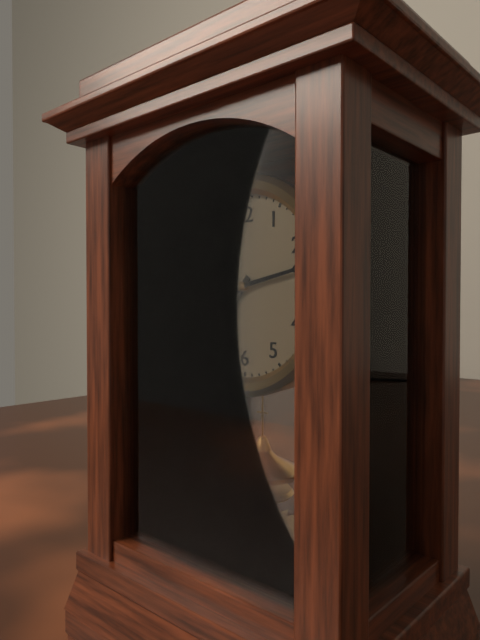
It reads 7,13
